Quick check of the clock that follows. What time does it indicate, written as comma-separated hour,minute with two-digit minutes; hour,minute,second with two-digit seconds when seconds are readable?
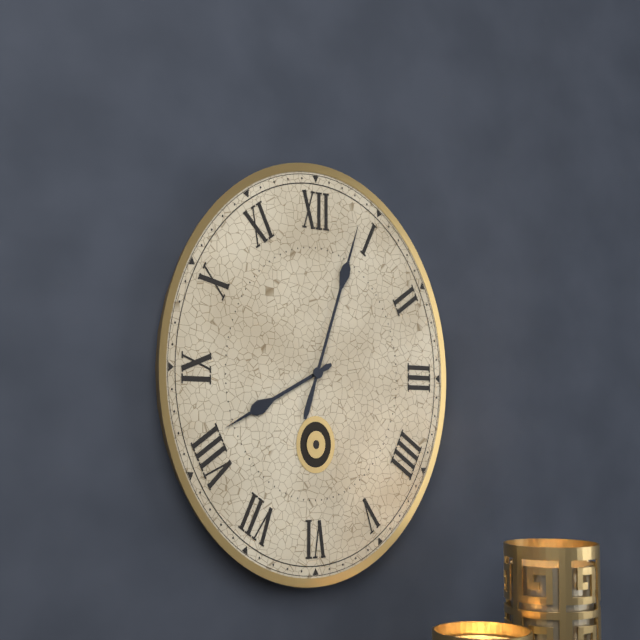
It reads 8,03
